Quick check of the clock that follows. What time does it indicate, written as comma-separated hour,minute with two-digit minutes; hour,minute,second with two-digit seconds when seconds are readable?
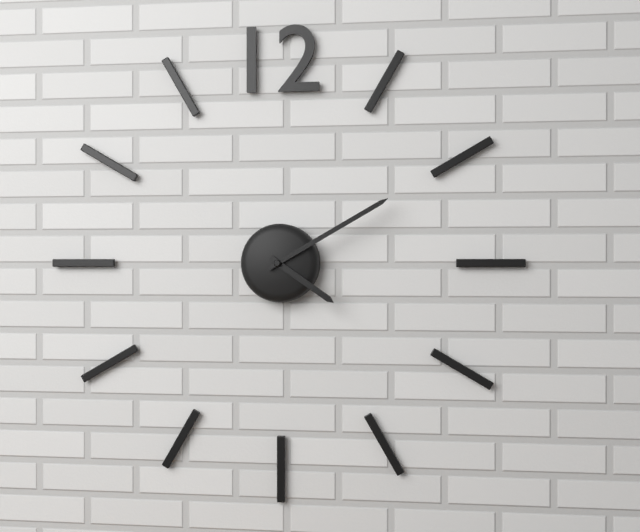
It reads 4,10
